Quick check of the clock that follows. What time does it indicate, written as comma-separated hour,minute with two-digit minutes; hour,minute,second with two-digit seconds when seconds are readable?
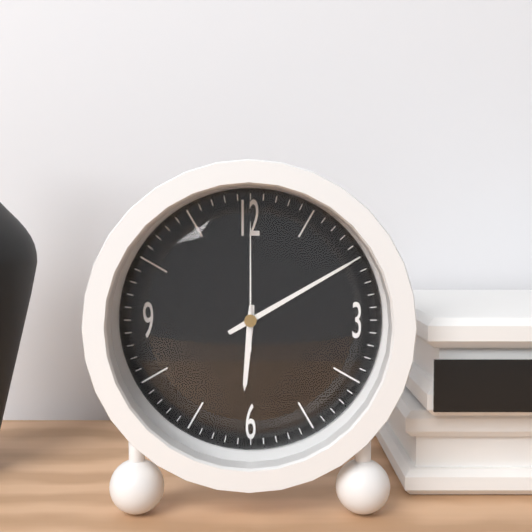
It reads 6,10,00
